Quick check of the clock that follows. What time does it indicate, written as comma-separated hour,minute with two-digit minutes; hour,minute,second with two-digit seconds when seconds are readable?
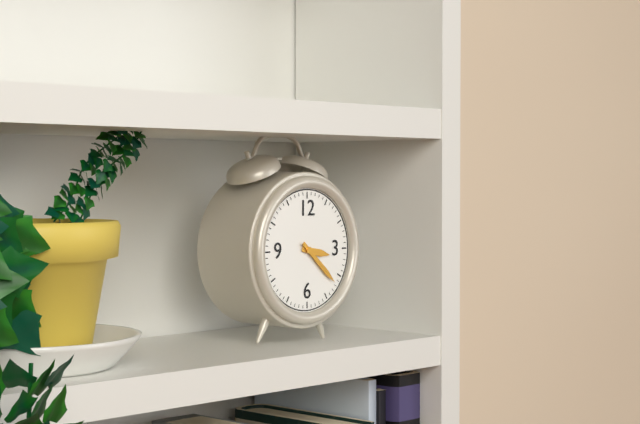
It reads 3,22
